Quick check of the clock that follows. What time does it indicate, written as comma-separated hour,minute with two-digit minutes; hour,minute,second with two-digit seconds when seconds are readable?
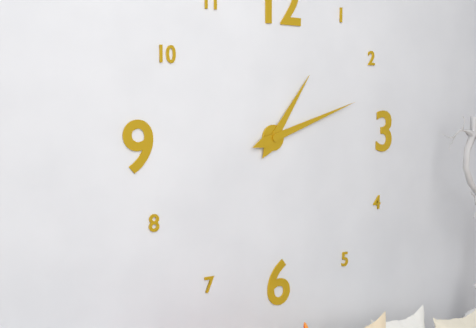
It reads 1,12
